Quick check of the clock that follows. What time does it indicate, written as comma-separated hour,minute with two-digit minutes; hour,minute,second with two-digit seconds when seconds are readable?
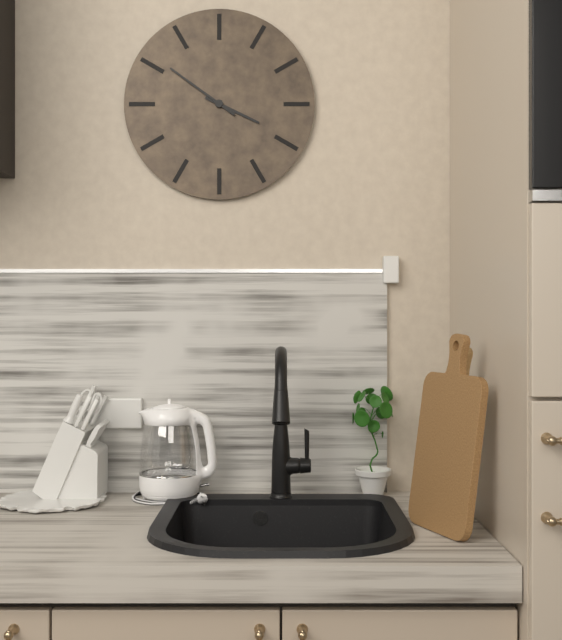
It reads 3,51
